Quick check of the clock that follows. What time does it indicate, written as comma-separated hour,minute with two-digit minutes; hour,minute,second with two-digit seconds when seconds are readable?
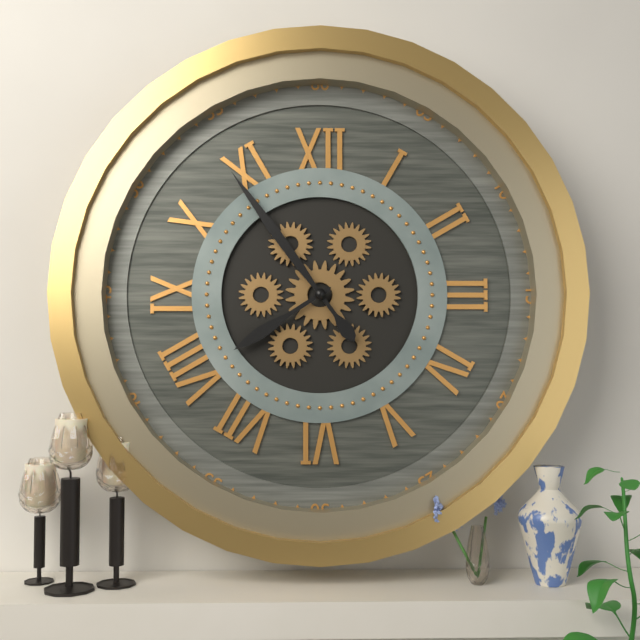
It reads 7,54
